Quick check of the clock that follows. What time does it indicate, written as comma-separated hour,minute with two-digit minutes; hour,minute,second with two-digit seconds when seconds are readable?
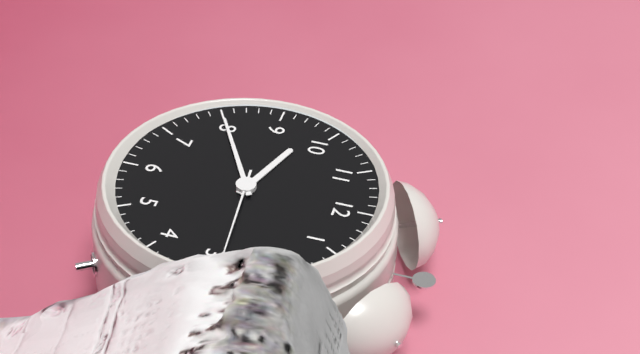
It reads 9,40,14
